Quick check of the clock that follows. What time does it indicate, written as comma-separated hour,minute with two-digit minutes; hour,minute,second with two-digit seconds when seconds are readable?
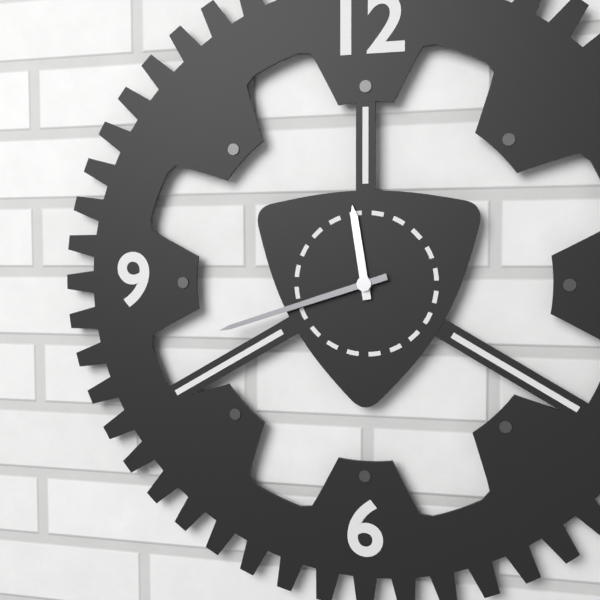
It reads 11,42
